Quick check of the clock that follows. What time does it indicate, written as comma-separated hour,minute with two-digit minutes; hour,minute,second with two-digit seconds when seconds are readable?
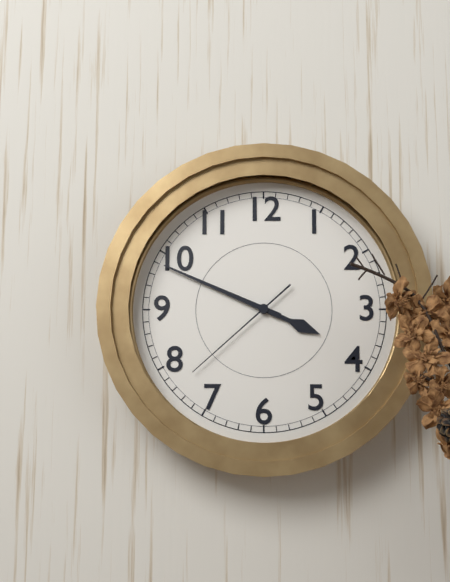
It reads 3,49,38
